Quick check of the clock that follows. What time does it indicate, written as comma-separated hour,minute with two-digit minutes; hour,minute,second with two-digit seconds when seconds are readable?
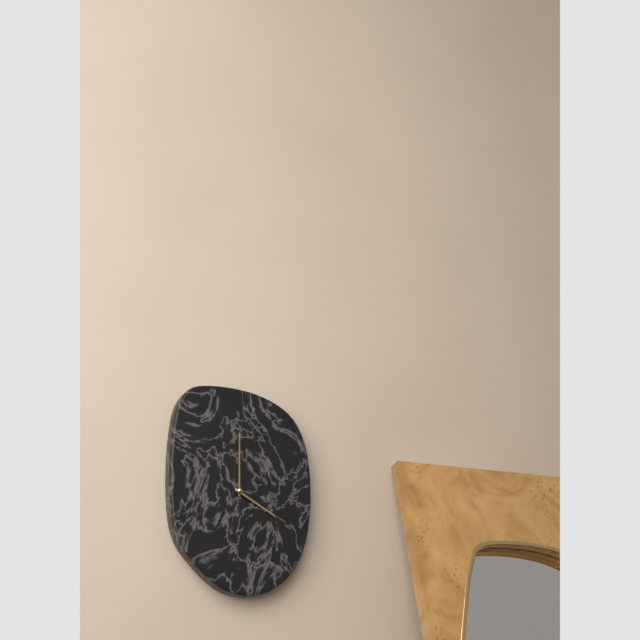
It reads 4,00
